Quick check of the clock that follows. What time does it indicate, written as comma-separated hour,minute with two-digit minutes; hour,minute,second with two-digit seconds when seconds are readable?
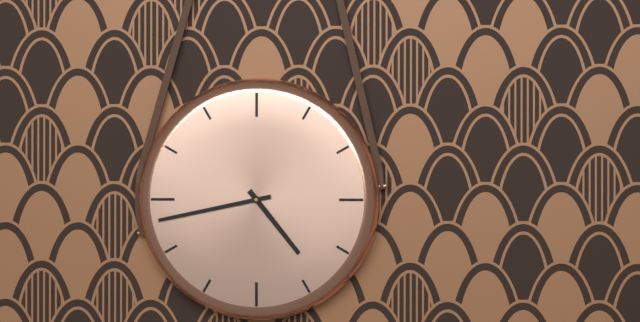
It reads 4,43
